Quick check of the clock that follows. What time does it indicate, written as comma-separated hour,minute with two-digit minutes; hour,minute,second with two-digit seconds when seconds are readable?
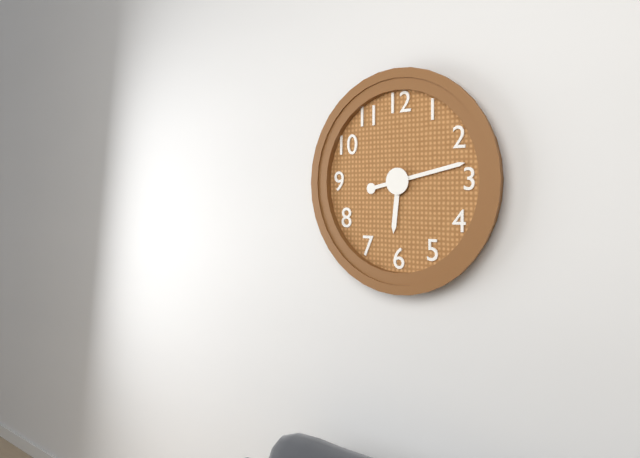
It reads 6,13
